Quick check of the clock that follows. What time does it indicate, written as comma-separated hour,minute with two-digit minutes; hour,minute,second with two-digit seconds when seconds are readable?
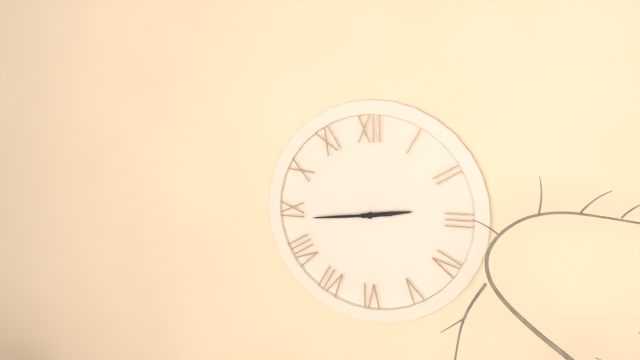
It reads 2,44
